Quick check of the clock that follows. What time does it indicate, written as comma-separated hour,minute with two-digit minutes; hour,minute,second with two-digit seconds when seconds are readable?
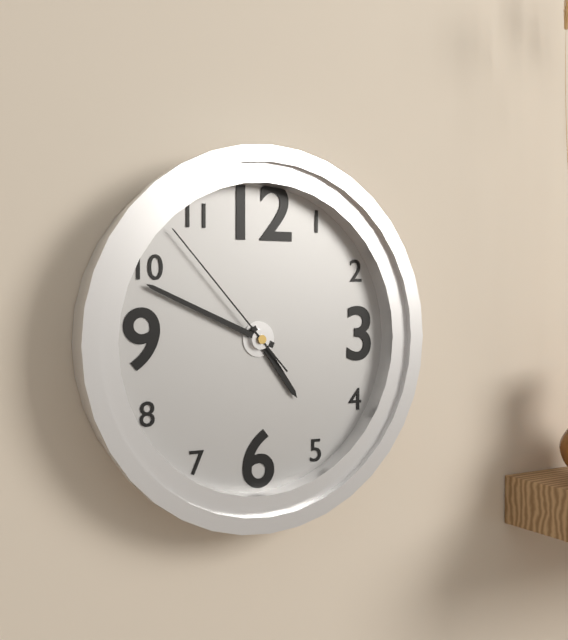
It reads 4,49,53
